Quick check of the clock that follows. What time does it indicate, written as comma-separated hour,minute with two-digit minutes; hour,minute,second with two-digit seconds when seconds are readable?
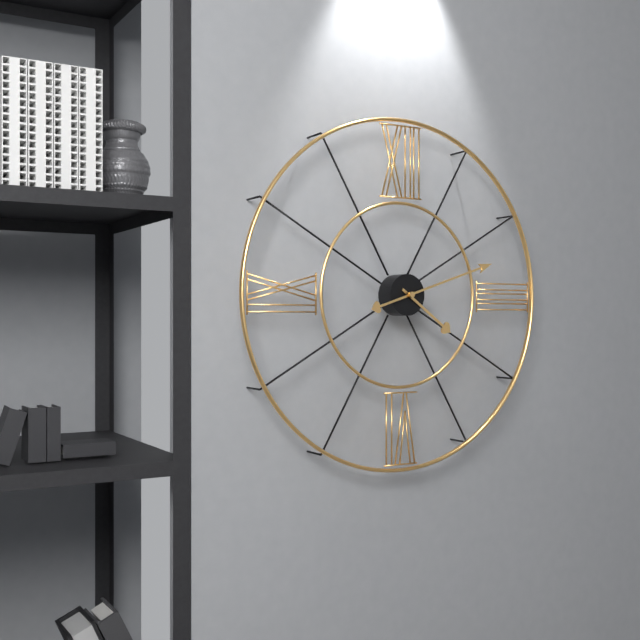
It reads 4,12
